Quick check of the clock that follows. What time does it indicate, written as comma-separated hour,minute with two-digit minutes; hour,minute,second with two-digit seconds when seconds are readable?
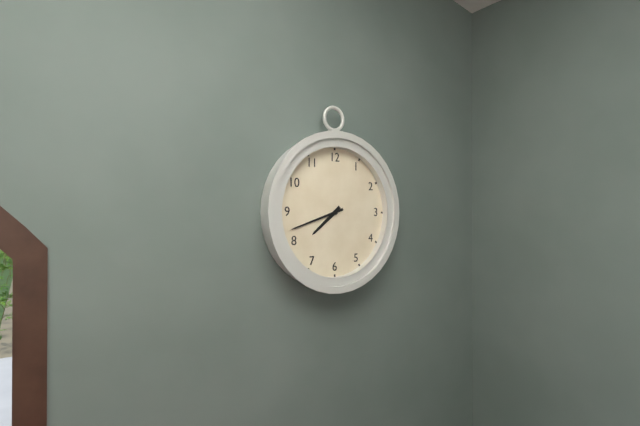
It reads 7,42
